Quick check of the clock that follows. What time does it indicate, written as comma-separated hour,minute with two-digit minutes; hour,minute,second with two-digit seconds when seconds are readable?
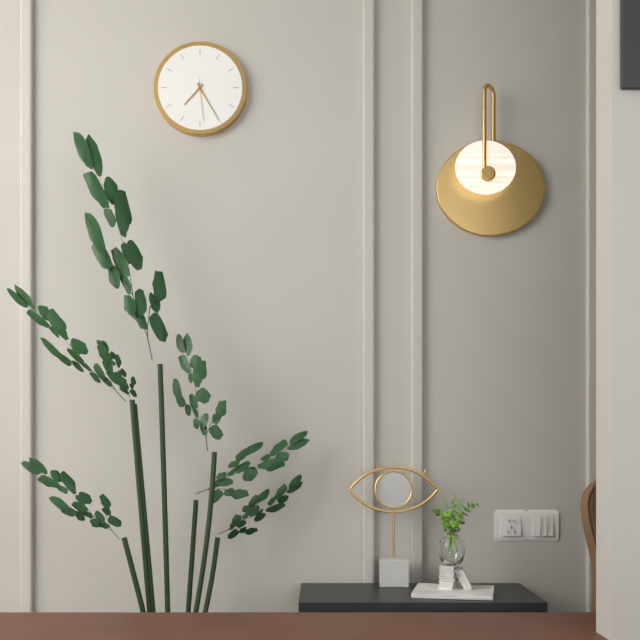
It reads 7,25
